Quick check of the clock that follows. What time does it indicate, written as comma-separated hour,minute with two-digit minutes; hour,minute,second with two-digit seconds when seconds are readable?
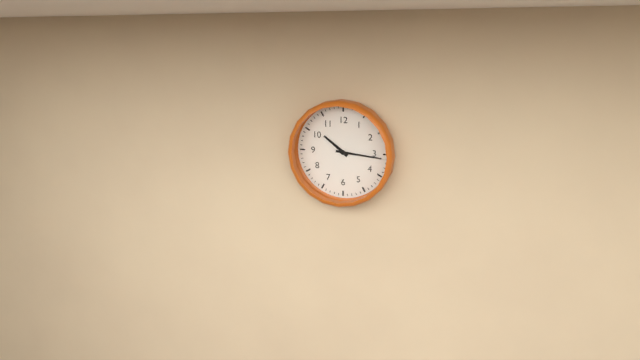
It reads 10,16
